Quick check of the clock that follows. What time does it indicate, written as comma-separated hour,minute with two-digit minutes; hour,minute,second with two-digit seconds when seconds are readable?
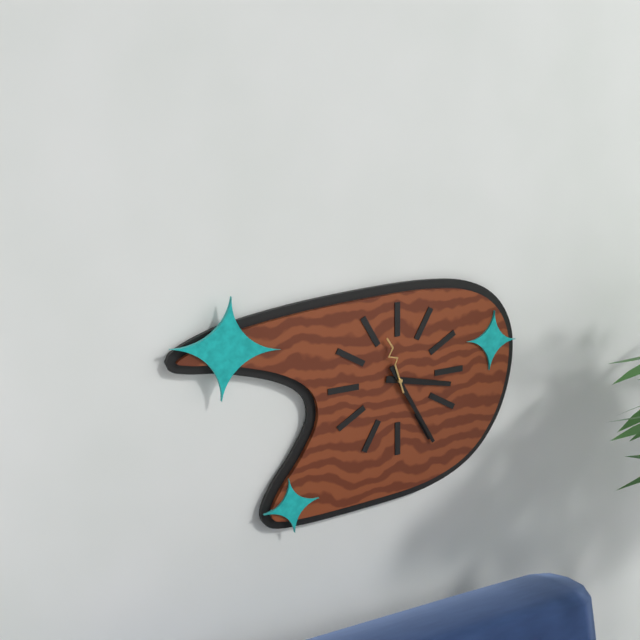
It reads 3,25,57
